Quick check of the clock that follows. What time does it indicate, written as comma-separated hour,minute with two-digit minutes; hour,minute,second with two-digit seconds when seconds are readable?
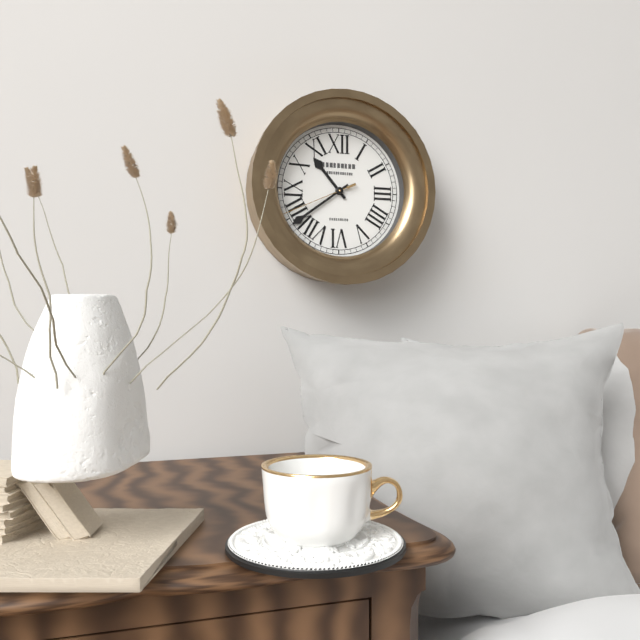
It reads 10,39,41
